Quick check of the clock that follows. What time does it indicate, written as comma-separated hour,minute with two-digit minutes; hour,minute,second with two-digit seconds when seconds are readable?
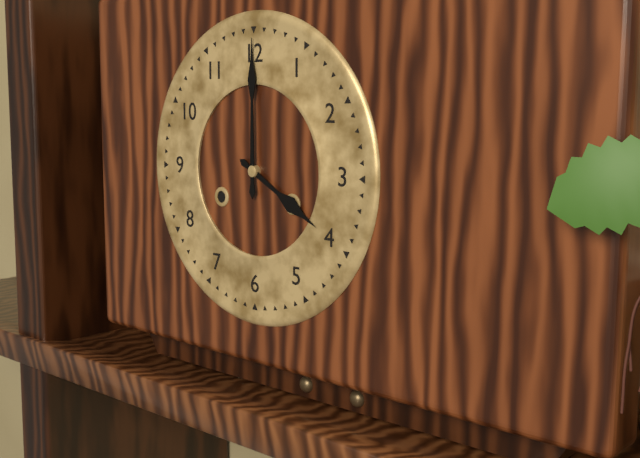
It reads 4,00
